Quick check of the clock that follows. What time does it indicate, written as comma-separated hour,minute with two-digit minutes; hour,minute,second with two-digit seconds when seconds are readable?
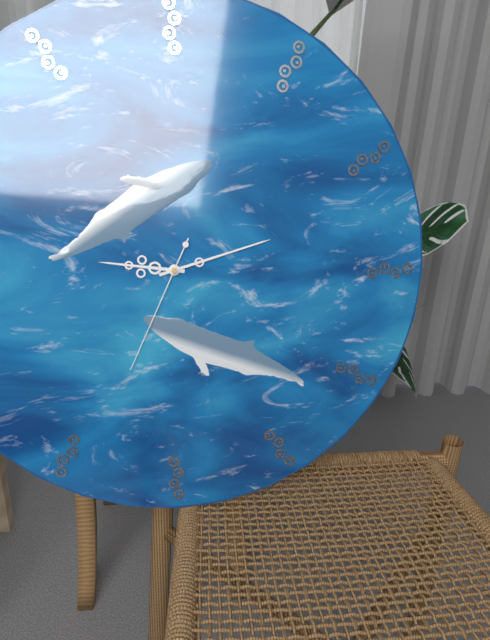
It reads 9,12,34
